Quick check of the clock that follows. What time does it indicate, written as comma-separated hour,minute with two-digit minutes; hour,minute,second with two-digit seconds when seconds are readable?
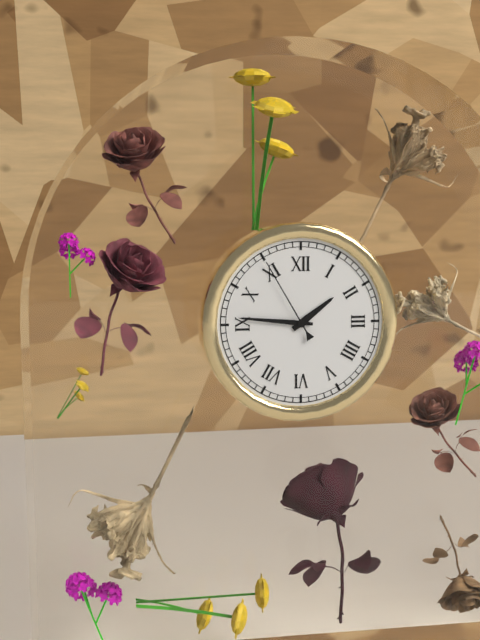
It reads 1,46,55
